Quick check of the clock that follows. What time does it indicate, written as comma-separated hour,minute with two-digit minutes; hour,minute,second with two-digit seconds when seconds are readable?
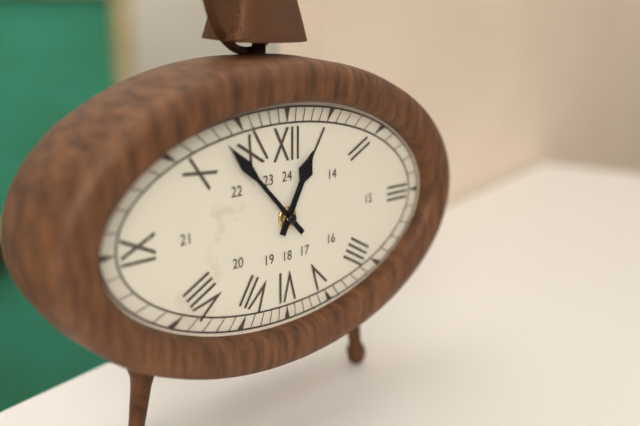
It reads 12,53
